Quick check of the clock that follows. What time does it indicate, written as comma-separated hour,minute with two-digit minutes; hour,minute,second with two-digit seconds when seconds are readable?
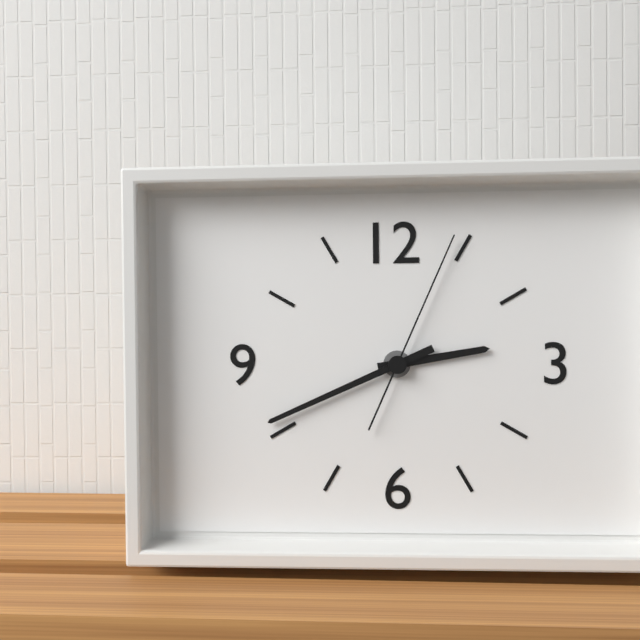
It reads 2,41,04
